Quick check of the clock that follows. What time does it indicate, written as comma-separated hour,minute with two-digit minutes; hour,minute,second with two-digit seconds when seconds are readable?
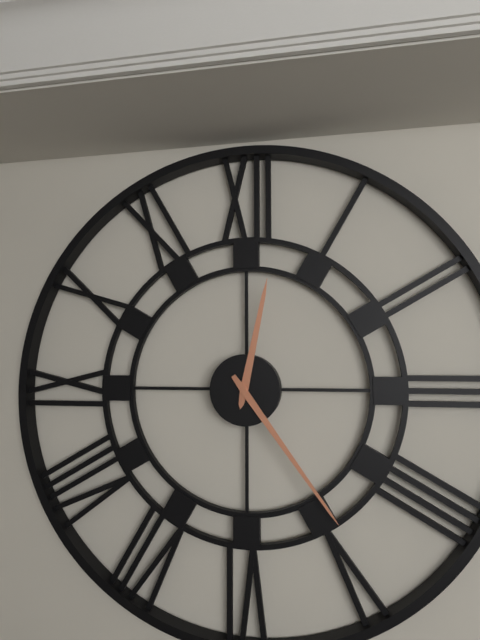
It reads 12,24
